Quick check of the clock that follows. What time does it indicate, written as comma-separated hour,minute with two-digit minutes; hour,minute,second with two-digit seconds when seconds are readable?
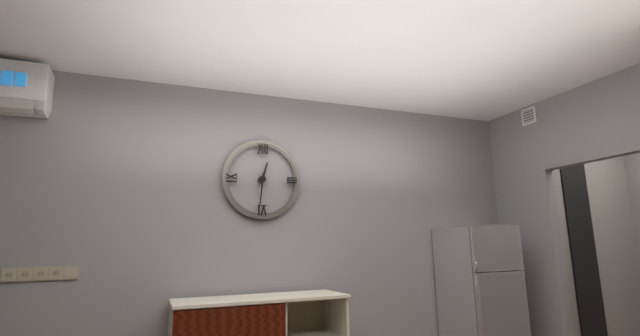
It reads 12,31
